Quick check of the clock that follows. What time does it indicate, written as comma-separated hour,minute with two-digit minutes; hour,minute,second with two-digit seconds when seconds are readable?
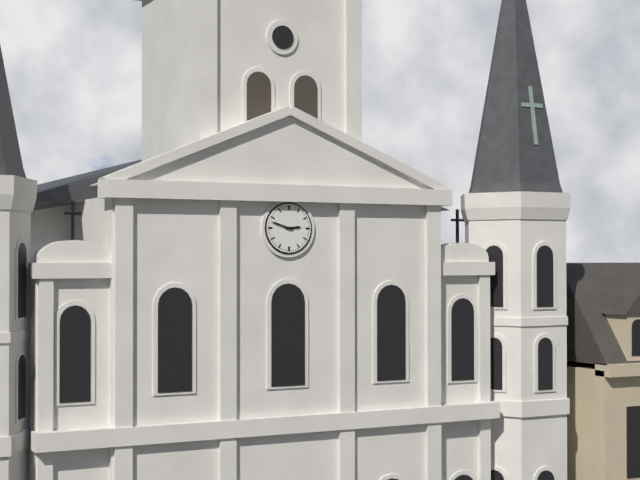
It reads 2,48
